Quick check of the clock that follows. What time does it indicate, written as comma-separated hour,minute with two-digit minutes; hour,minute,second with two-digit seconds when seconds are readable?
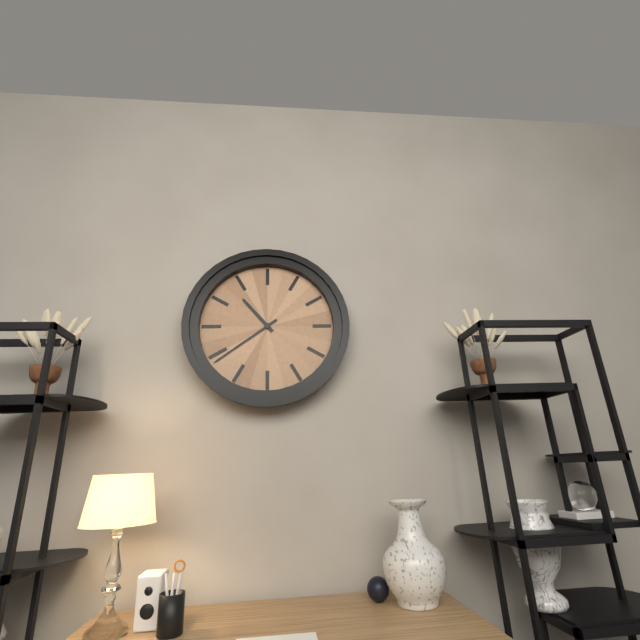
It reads 10,39
